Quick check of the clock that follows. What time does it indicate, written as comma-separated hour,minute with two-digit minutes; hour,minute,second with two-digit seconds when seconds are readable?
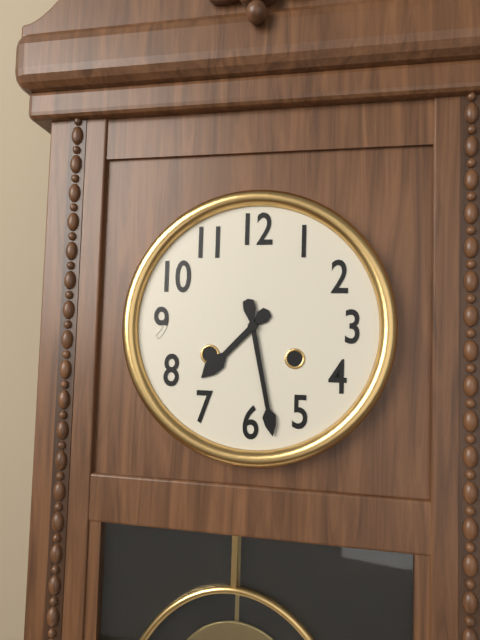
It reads 7,28
